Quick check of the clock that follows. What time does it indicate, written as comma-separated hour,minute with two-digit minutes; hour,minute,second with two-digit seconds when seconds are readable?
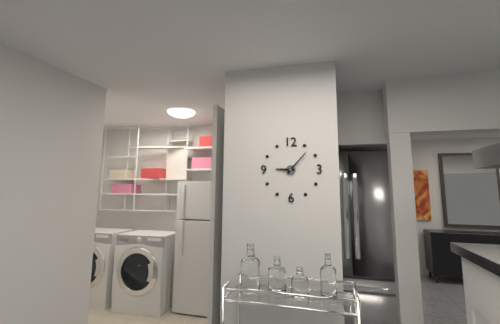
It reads 9,07
